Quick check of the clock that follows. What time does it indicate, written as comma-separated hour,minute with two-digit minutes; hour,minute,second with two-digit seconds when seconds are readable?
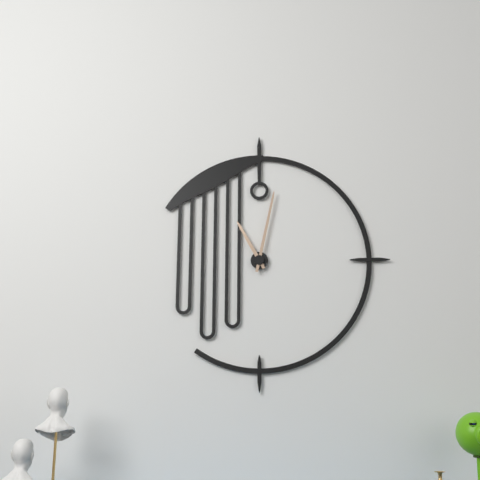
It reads 11,02
